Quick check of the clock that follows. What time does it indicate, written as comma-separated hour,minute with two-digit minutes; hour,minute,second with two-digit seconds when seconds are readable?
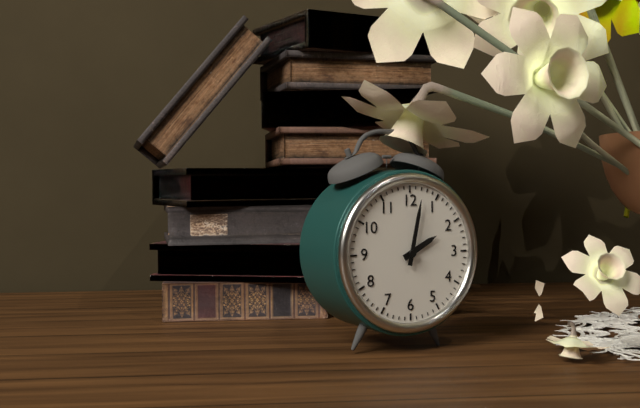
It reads 2,02
